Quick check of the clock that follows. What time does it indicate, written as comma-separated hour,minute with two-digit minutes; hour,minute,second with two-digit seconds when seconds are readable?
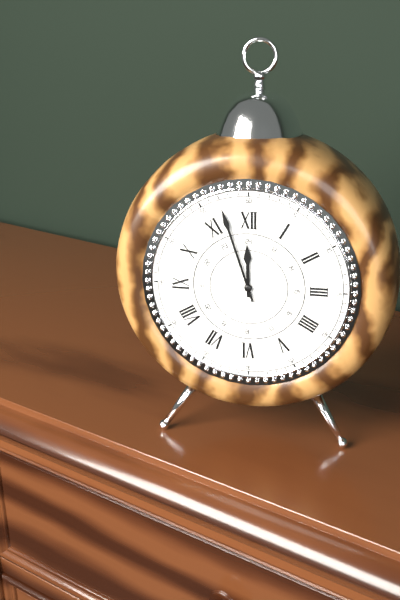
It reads 11,57
